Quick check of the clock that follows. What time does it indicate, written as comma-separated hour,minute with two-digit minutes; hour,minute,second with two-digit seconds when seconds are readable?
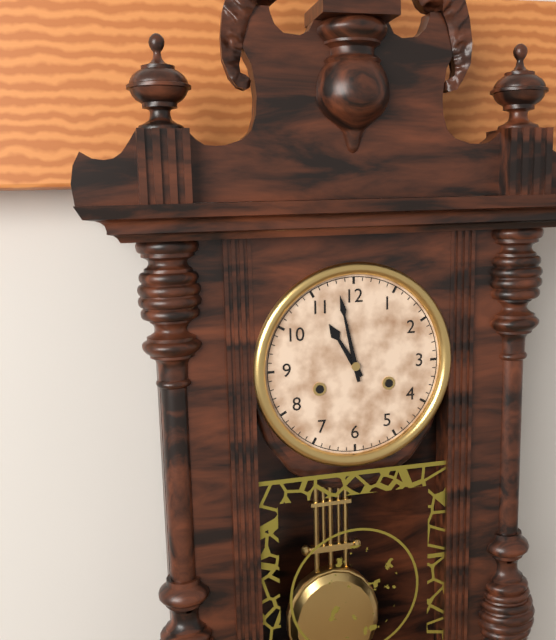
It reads 10,58
